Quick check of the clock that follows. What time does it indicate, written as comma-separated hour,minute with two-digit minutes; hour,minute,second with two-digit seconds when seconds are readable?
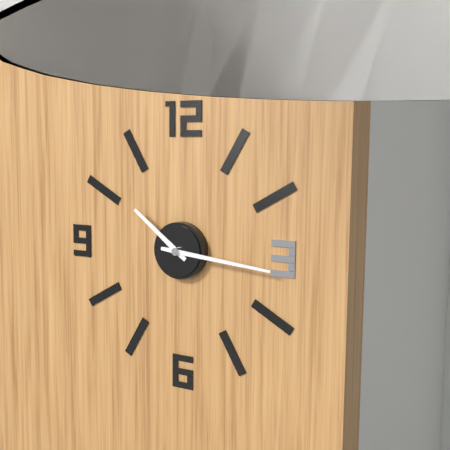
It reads 10,16
